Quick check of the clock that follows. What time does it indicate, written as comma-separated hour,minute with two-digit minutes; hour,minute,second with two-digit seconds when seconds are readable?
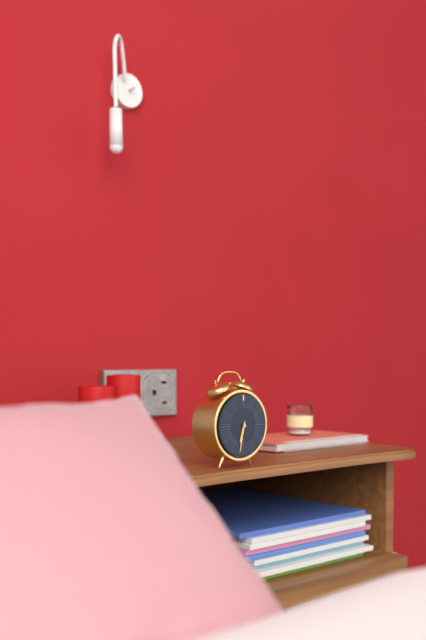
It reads 6,32
